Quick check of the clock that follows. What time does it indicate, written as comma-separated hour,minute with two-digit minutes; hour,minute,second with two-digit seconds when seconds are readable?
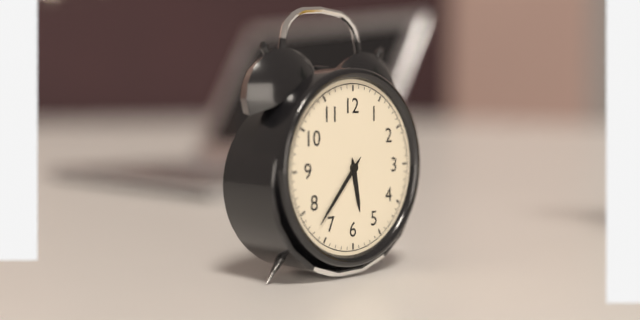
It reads 5,37
